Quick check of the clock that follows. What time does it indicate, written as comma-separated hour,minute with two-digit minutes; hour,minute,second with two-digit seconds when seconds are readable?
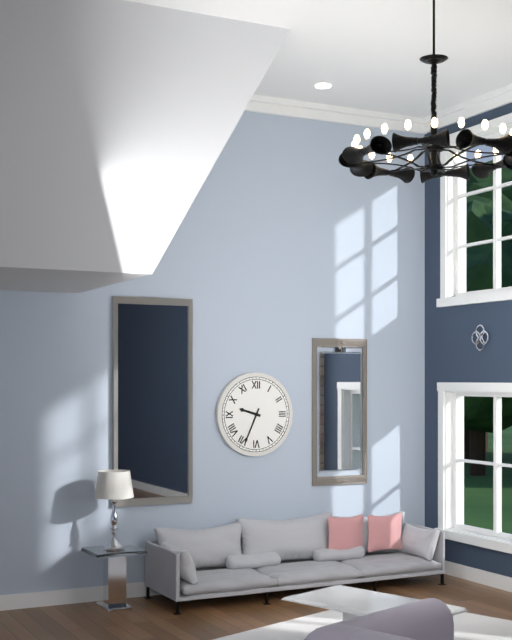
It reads 9,34
